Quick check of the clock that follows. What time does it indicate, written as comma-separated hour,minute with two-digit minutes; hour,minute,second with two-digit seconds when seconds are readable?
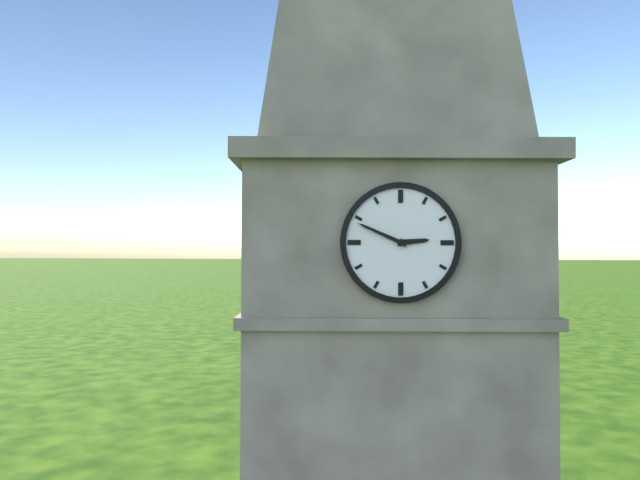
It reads 2,49
